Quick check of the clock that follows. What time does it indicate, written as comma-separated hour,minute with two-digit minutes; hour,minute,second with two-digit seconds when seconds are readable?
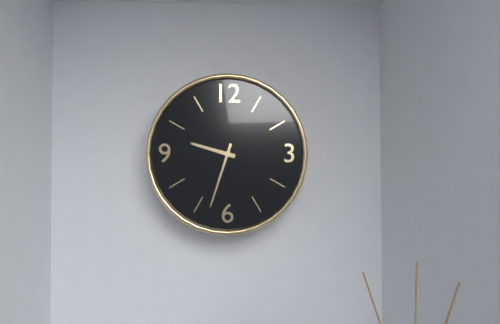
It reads 9,33
